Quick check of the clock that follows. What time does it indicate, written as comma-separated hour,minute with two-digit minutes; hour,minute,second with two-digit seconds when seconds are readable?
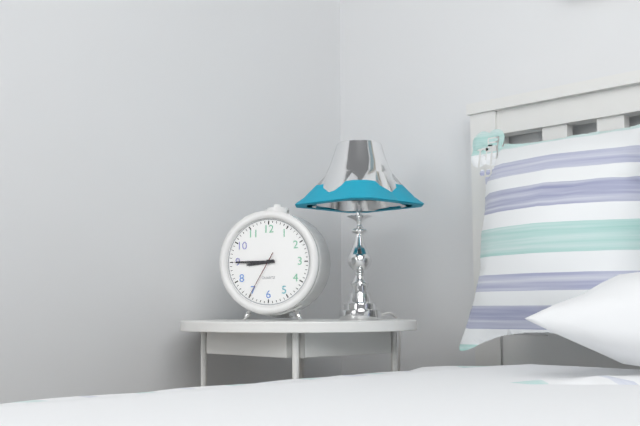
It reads 8,45
